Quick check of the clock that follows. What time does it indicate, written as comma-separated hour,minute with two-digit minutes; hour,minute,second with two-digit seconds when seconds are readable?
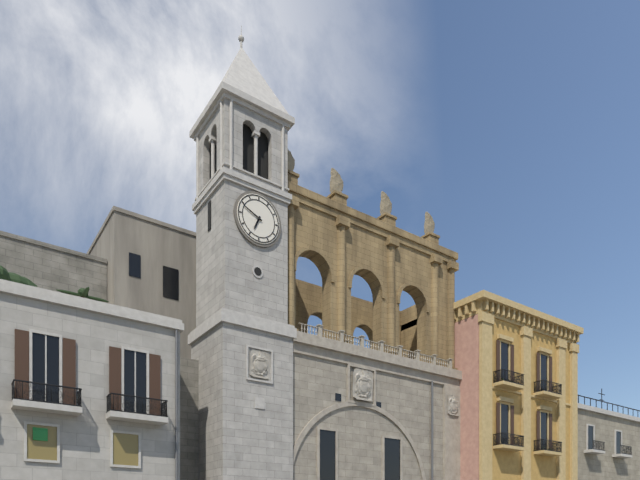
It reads 6,49
